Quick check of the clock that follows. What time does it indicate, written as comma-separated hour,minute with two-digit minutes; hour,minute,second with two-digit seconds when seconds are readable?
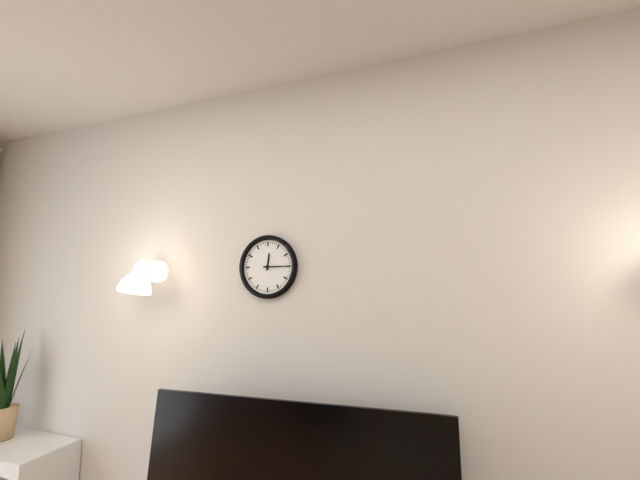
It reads 12,15
